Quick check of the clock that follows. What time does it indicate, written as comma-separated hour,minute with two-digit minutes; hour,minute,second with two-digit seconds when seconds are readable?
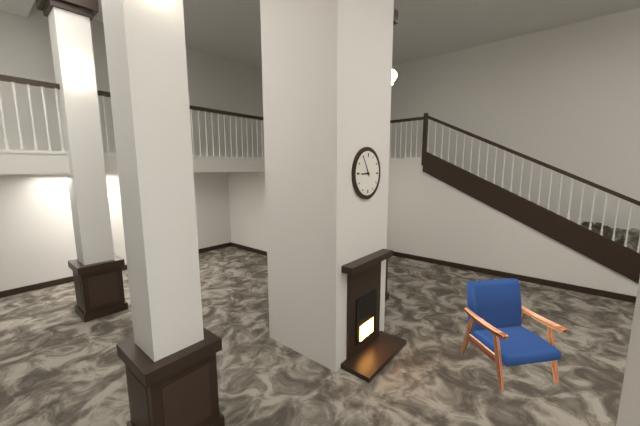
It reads 8,55
